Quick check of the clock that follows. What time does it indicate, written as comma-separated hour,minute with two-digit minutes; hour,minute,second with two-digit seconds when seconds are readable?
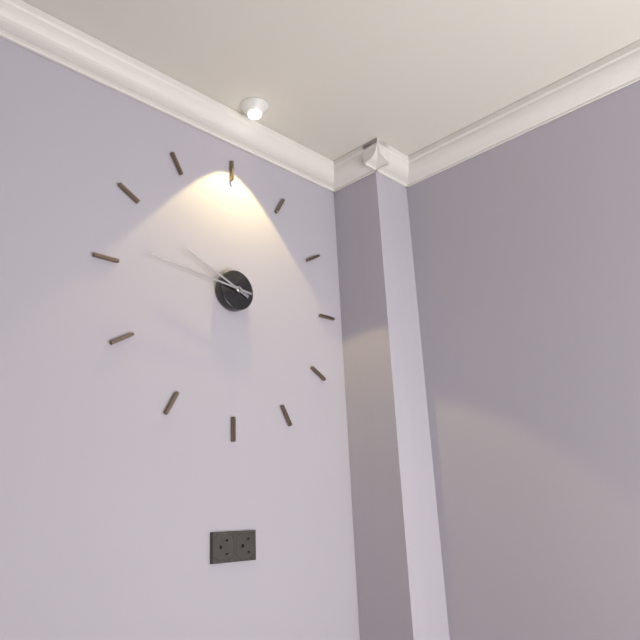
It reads 9,46
